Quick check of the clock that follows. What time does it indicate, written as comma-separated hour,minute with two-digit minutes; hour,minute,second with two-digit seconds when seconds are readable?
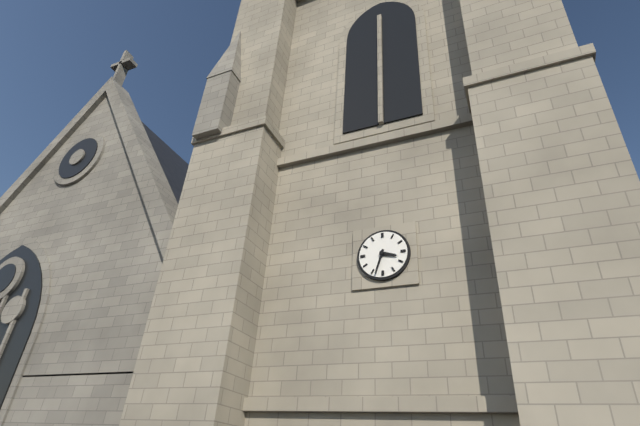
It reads 3,33
